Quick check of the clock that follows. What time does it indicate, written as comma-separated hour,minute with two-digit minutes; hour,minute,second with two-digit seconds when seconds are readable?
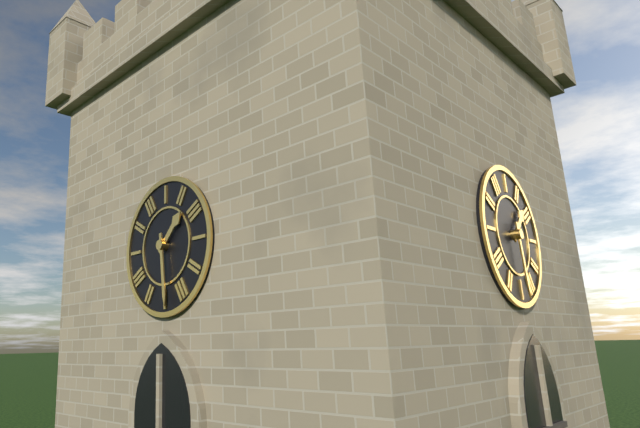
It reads 1,29
